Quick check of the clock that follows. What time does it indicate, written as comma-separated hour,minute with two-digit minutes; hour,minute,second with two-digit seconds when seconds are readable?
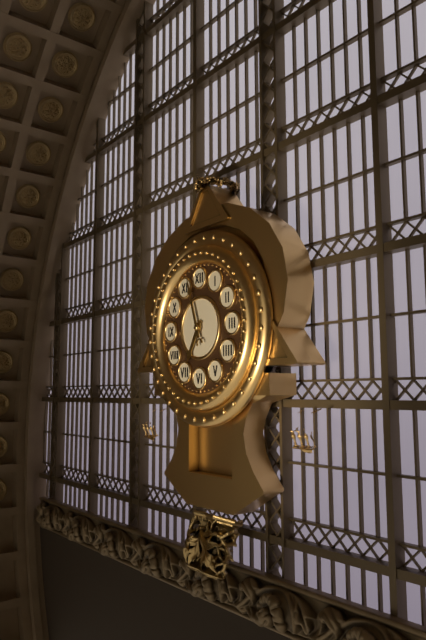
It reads 6,57
